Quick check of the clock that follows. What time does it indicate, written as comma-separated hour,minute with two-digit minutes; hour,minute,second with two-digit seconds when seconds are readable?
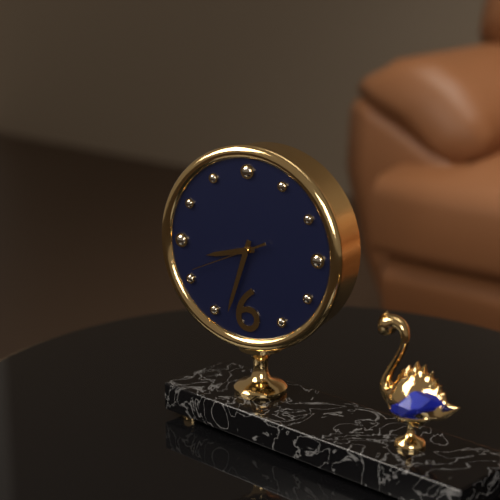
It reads 8,33,41
